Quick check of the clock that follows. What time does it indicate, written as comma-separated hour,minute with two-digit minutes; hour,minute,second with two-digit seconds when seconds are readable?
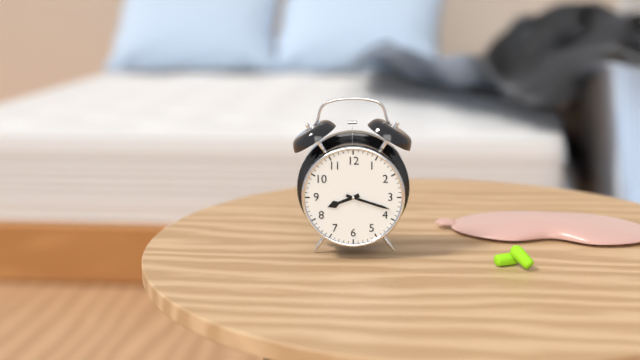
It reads 8,18
